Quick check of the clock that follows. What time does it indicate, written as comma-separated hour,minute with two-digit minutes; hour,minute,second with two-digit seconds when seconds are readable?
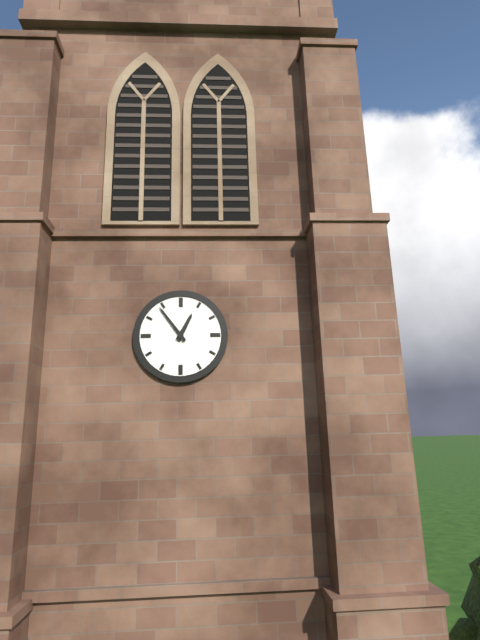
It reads 12,54
